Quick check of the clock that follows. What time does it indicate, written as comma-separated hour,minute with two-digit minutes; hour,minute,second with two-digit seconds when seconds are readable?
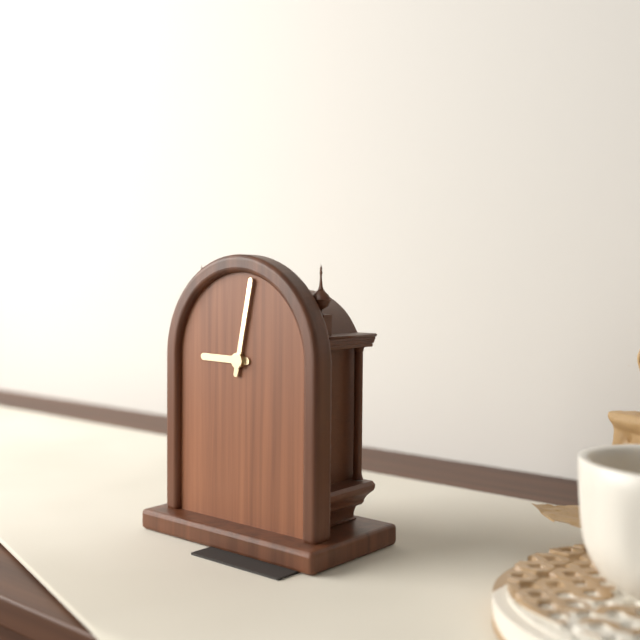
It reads 9,02
